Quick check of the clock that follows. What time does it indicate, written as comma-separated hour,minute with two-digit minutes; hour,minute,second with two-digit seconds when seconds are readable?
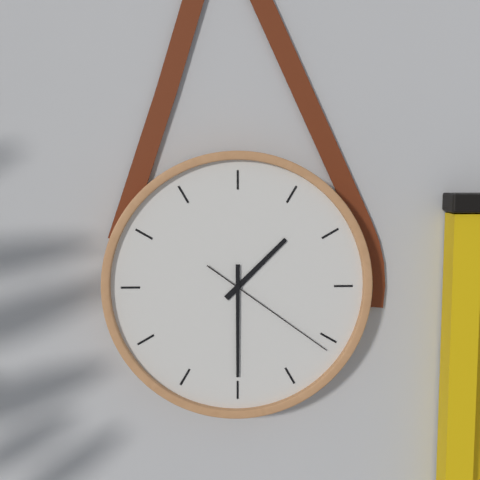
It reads 1,30,21
